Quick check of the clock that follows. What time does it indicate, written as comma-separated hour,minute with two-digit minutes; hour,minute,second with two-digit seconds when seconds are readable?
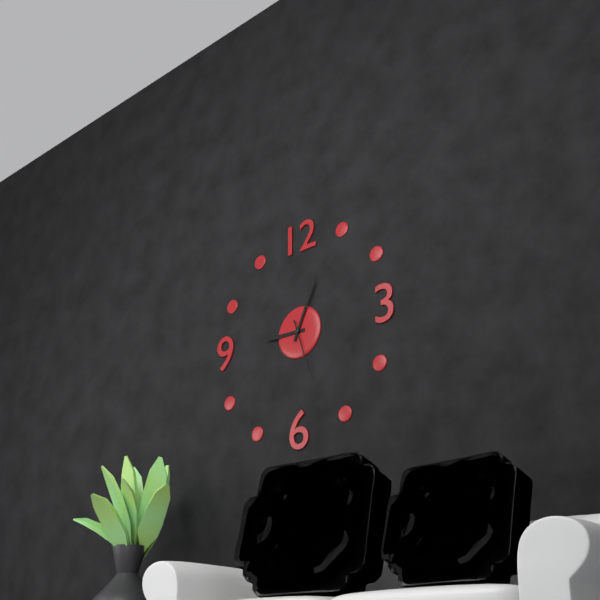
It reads 9,04,27
